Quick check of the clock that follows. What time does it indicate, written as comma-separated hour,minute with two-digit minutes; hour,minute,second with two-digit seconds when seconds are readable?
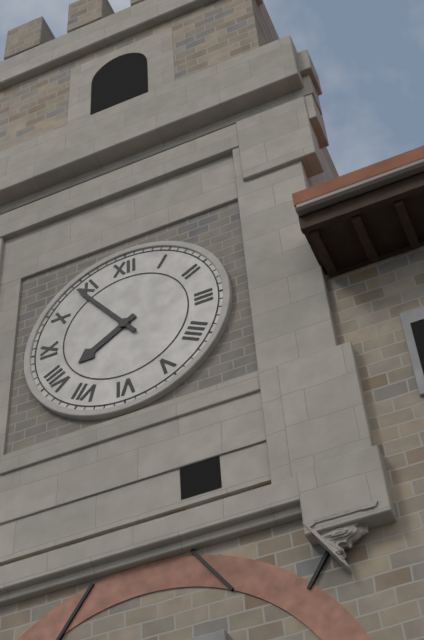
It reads 7,54
